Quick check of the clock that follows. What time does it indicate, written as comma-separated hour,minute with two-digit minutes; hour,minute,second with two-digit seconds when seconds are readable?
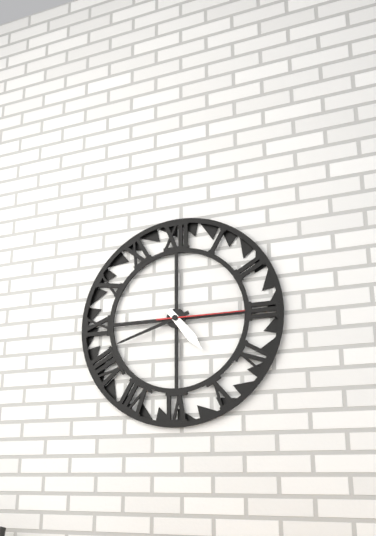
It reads 4,42,15
